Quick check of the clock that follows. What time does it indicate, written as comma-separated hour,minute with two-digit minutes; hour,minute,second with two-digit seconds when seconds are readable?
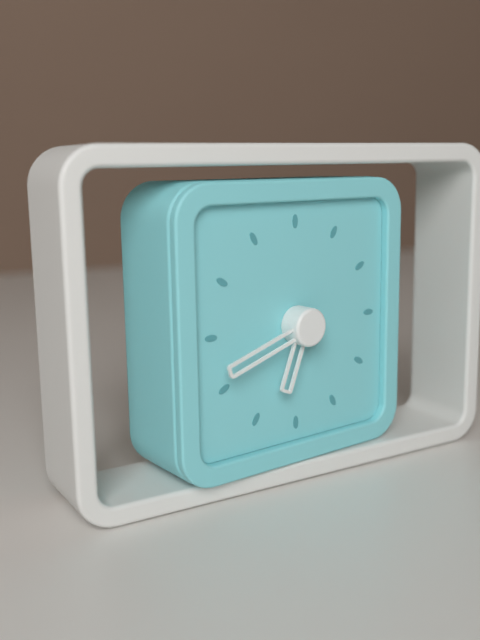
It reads 6,42
